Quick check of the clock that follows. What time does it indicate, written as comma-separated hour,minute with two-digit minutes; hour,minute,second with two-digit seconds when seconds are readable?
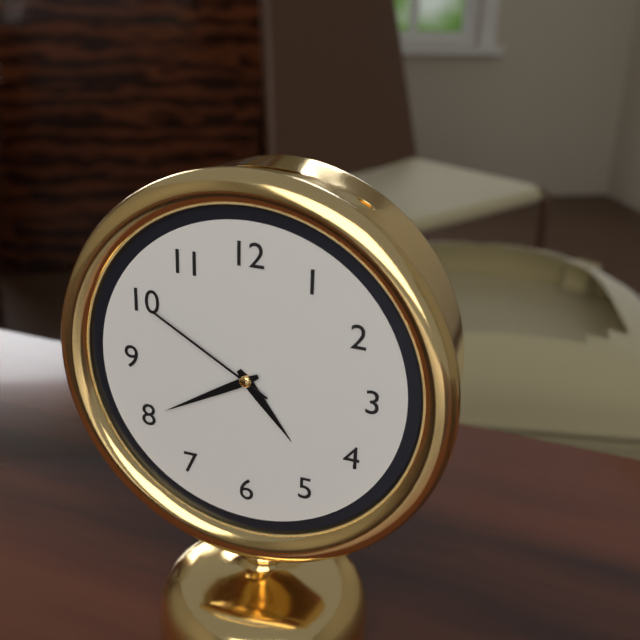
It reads 4,40,50
